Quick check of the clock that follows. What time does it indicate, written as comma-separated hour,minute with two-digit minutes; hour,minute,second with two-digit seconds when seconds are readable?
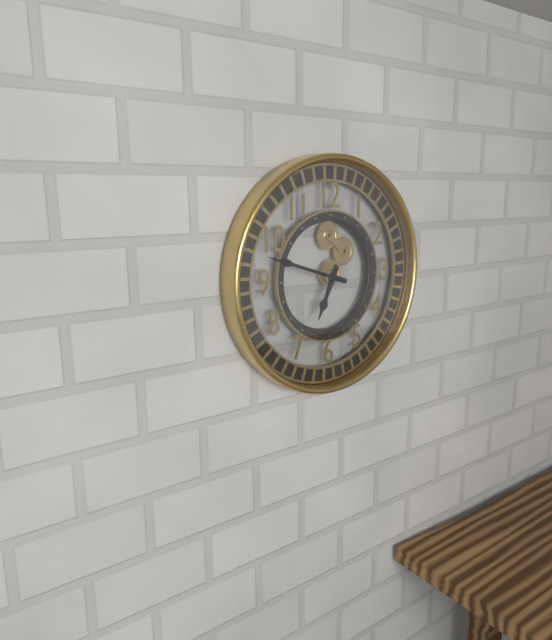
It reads 6,48
